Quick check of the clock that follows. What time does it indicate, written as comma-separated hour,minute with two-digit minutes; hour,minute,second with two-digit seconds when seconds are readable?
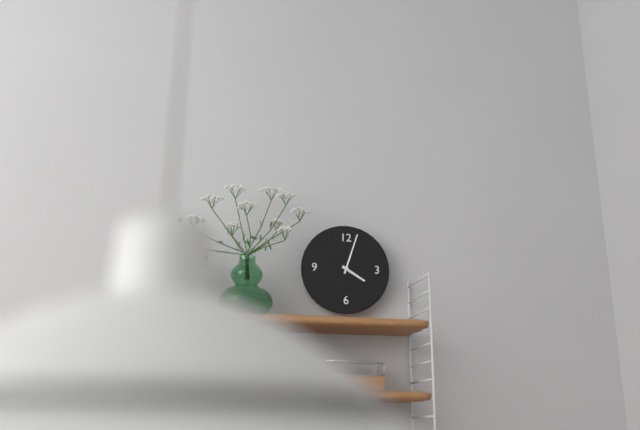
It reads 4,03
